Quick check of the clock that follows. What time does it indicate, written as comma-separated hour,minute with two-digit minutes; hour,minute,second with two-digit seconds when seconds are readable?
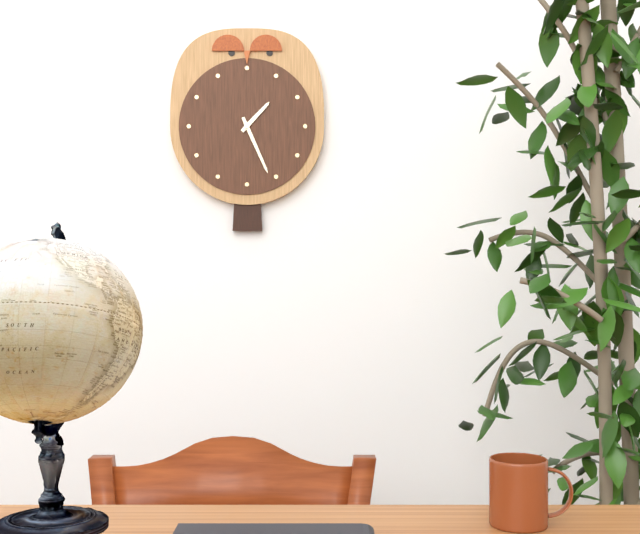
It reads 1,26
